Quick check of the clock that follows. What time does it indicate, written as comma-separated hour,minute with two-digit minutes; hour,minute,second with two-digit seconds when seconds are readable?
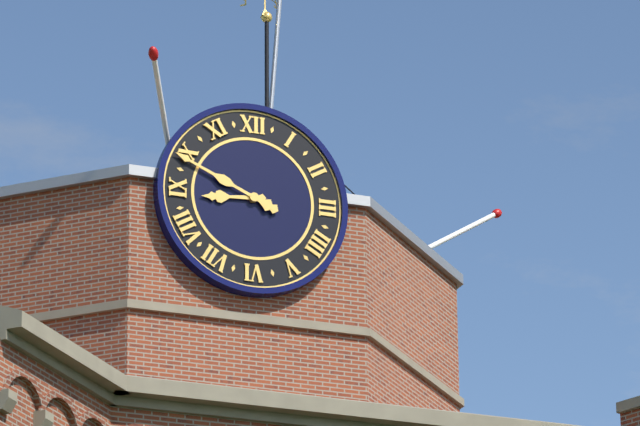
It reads 8,49
